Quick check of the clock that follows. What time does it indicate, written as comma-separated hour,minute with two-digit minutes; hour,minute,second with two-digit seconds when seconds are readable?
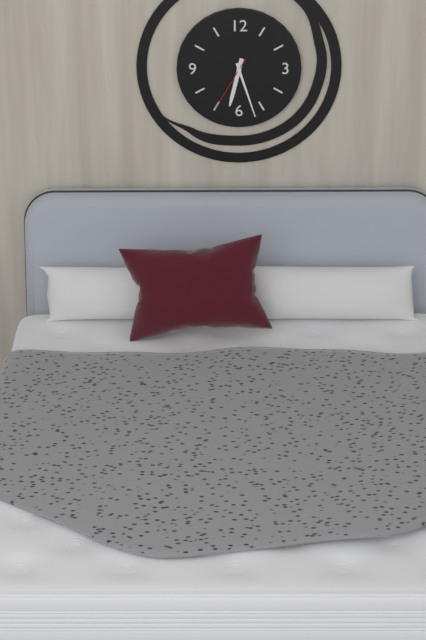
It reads 6,27,35
